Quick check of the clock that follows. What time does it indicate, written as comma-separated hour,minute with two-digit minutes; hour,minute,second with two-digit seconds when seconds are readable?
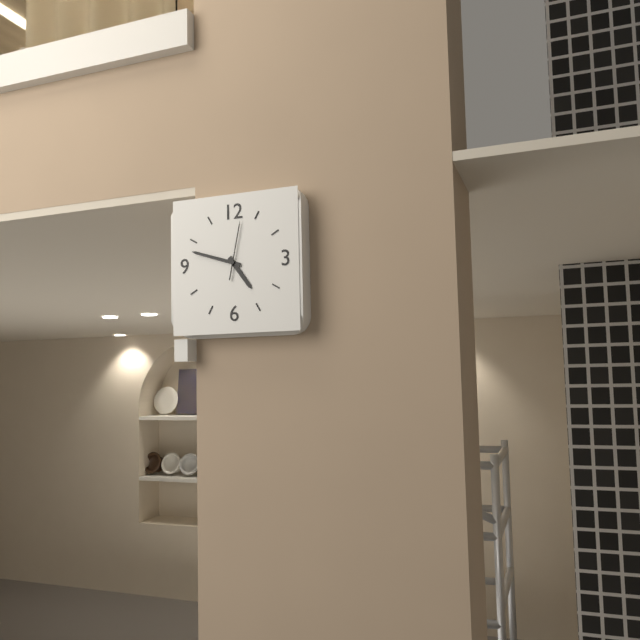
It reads 4,48,02
